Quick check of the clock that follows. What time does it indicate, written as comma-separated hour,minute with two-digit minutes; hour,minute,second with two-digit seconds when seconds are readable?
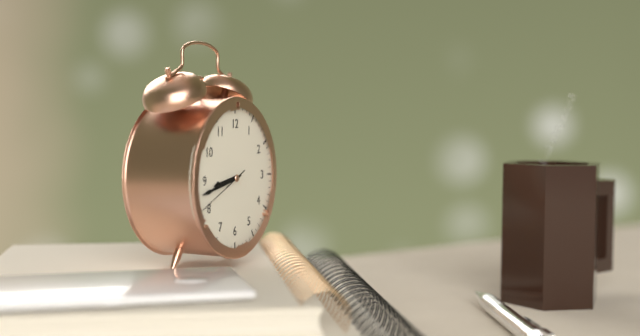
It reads 8,43,41
